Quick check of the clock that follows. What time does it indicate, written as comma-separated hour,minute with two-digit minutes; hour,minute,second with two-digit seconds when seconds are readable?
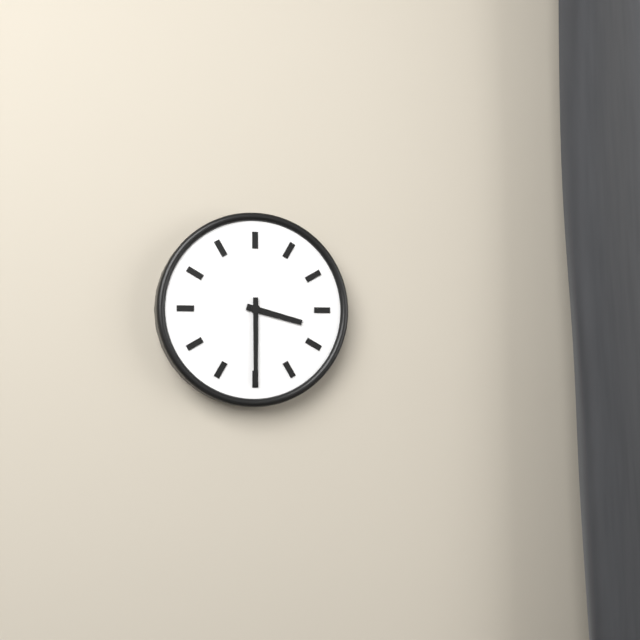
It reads 3,30
